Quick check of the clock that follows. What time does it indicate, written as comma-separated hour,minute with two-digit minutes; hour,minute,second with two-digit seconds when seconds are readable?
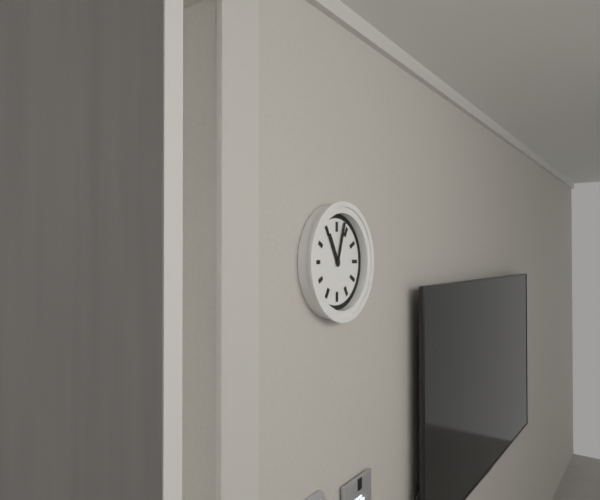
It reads 11,03
